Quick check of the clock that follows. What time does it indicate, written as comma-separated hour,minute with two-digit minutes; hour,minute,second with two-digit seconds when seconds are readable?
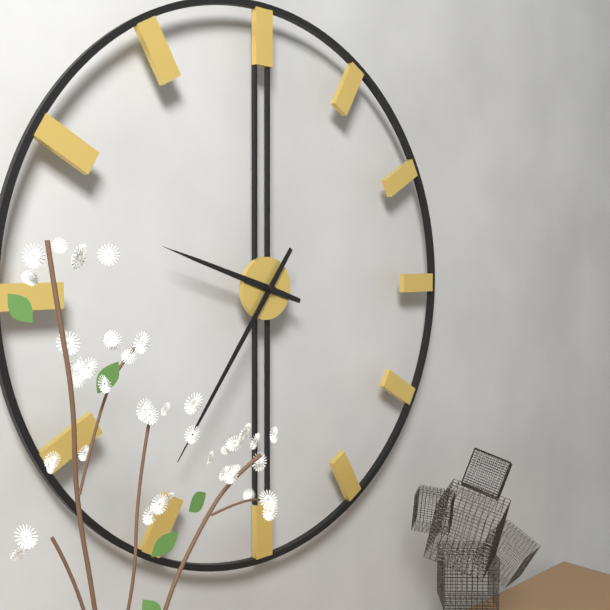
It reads 9,36
